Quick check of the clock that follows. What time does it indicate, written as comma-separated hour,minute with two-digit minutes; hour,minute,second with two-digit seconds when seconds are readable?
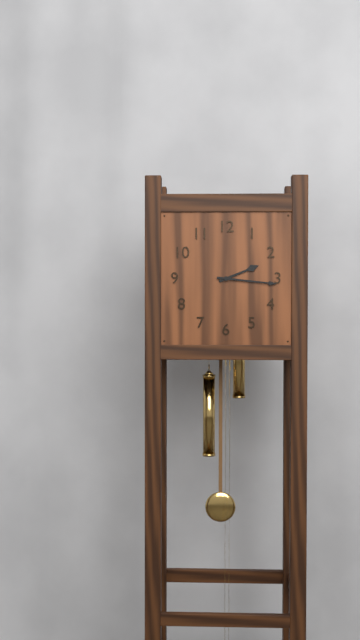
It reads 2,16
